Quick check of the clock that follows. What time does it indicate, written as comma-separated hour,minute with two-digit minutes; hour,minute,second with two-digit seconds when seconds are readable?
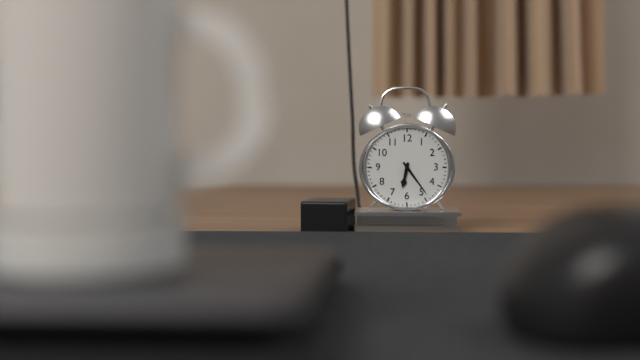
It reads 6,24
